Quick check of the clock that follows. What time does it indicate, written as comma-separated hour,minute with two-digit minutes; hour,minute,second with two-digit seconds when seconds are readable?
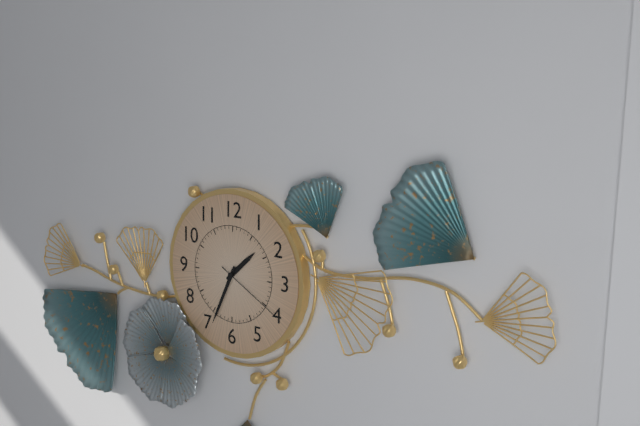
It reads 1,34,20
